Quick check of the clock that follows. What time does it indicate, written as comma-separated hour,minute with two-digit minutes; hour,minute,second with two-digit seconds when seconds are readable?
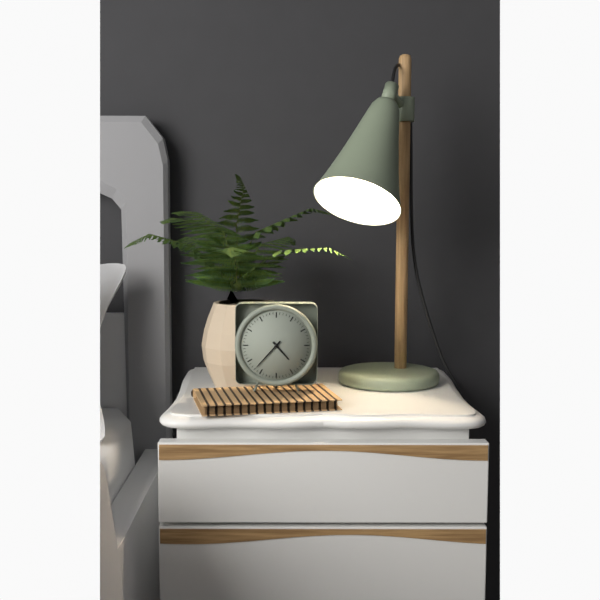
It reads 4,37
